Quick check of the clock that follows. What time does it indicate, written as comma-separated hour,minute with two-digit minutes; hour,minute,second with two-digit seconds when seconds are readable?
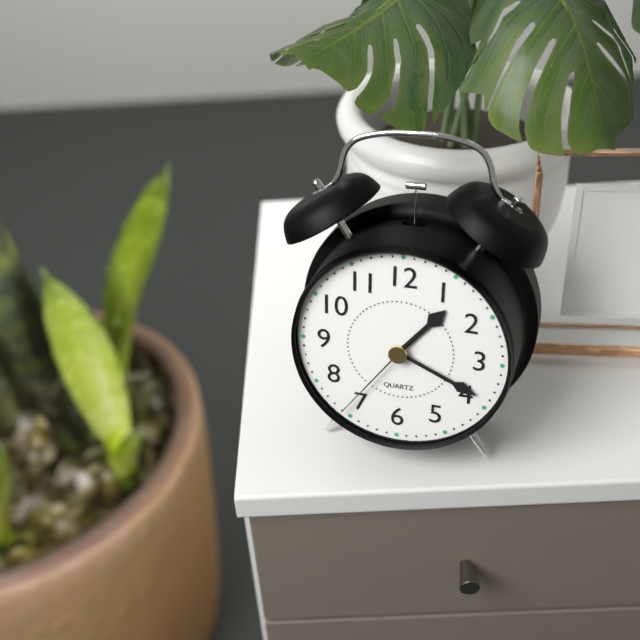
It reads 1,19,36
